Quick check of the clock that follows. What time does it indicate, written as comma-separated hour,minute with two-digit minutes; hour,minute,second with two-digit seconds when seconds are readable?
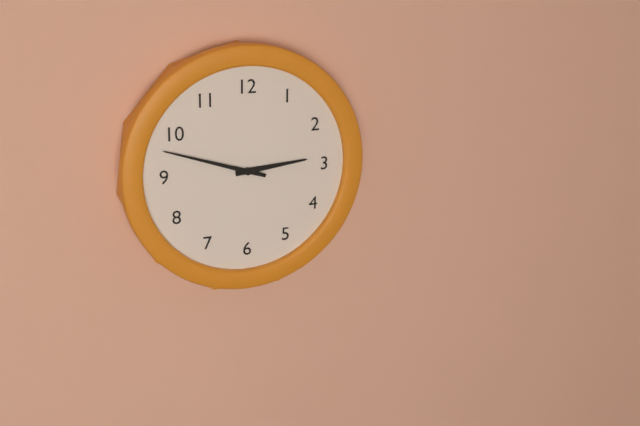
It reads 2,48
